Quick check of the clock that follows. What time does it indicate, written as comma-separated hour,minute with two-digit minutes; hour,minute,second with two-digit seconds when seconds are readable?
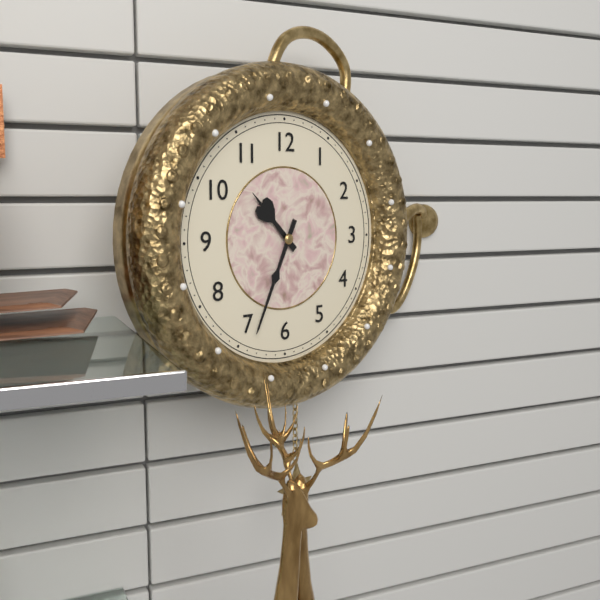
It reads 10,34
